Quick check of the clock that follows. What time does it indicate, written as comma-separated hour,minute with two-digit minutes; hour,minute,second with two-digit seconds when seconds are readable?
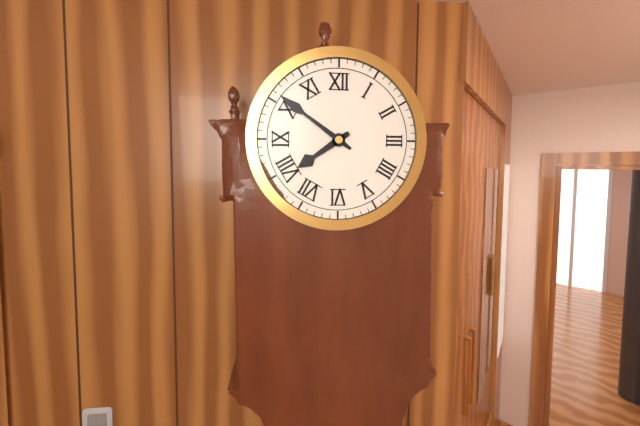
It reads 7,51
